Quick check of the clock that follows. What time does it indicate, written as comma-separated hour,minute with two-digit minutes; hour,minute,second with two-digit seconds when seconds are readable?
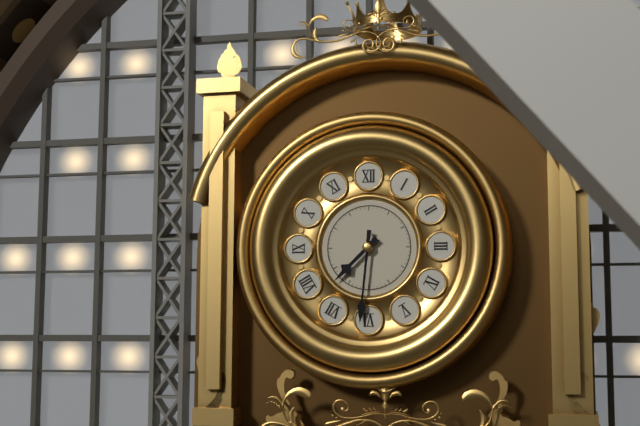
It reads 7,31
